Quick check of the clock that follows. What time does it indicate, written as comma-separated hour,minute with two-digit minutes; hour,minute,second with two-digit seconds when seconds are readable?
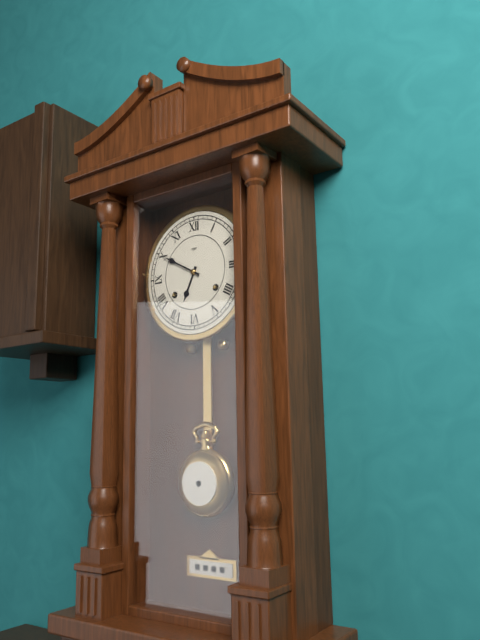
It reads 6,50
